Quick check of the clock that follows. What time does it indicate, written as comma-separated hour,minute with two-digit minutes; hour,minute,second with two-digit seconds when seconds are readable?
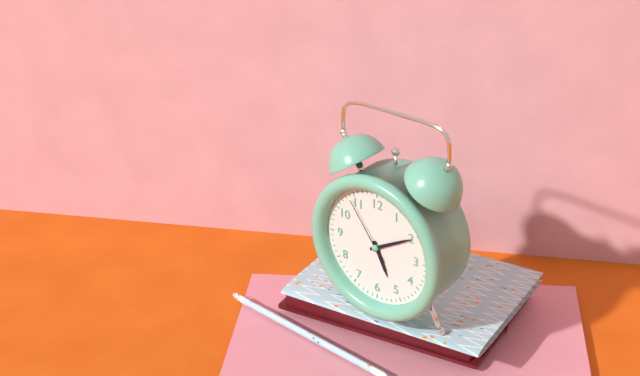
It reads 5,10,54
